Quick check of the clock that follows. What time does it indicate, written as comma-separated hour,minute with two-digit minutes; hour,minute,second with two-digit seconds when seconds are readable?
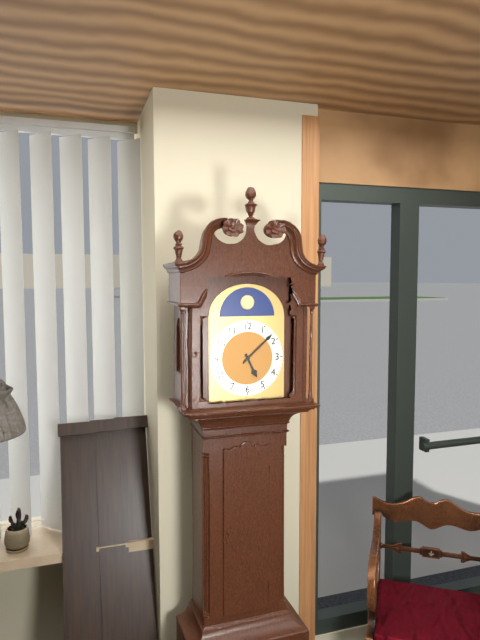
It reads 5,08
